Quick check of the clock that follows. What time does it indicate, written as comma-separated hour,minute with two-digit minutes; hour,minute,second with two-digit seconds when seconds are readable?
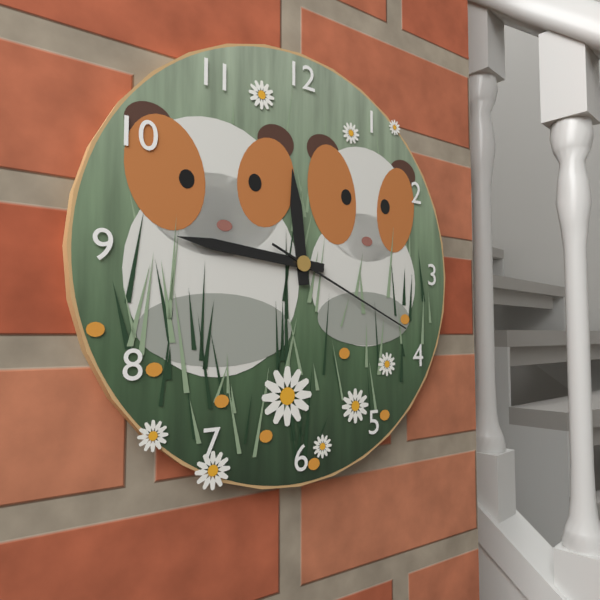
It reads 11,46,19
